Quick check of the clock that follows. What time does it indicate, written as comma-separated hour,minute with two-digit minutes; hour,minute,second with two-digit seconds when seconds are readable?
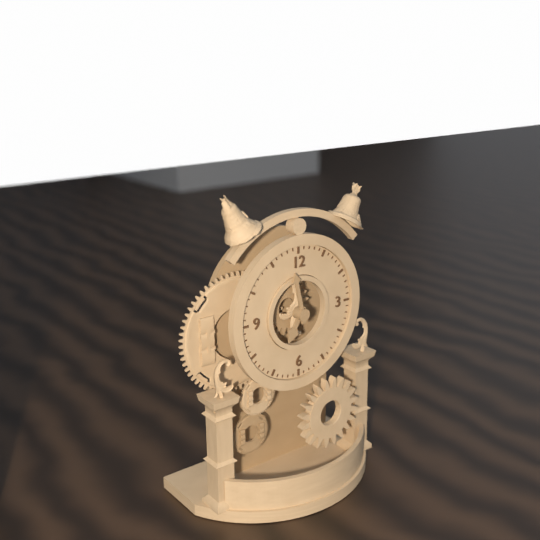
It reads 6,58
